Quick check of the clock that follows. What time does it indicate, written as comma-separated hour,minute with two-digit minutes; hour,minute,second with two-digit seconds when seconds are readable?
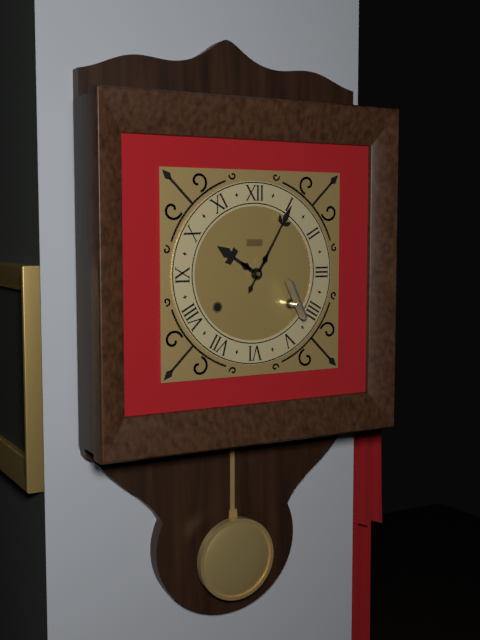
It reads 10,05
